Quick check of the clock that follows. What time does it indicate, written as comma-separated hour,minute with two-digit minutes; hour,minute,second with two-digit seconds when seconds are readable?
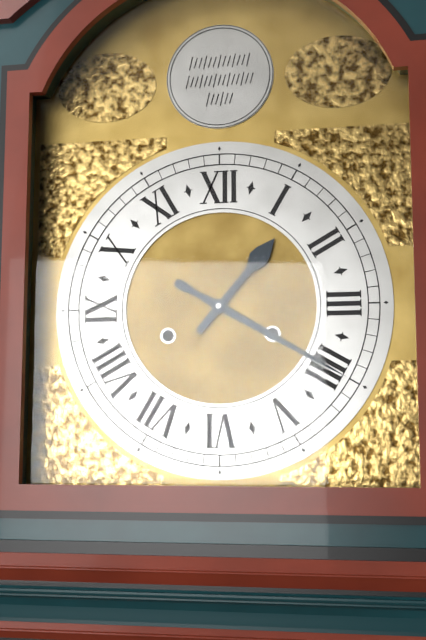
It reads 1,20
